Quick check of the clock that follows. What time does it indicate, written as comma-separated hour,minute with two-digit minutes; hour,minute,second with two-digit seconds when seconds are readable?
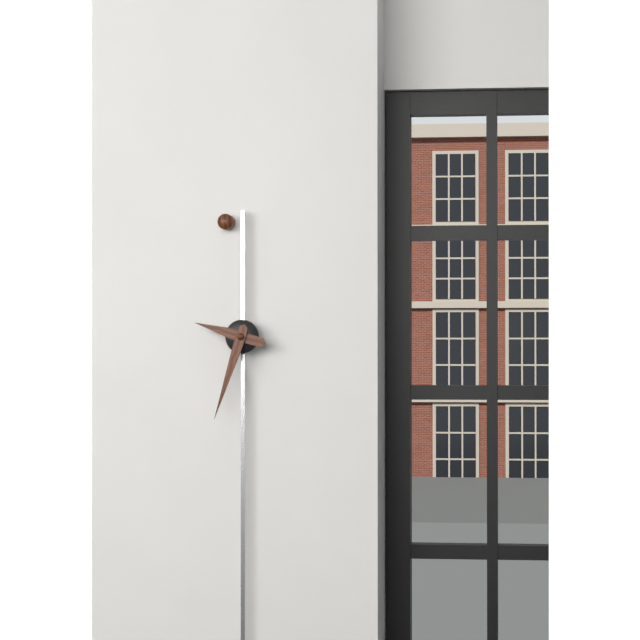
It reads 9,33
